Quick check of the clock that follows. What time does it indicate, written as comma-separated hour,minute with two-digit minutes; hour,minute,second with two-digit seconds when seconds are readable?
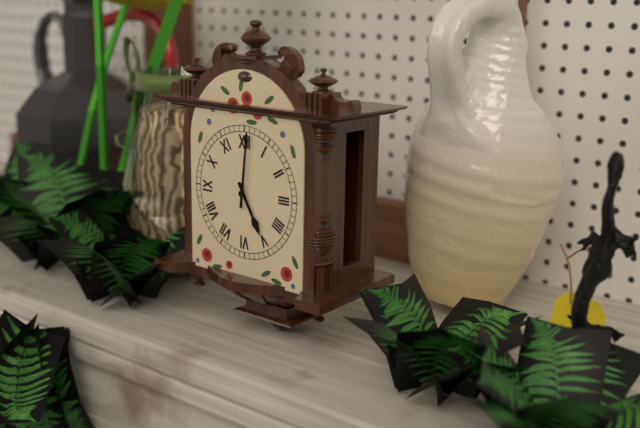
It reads 5,01
